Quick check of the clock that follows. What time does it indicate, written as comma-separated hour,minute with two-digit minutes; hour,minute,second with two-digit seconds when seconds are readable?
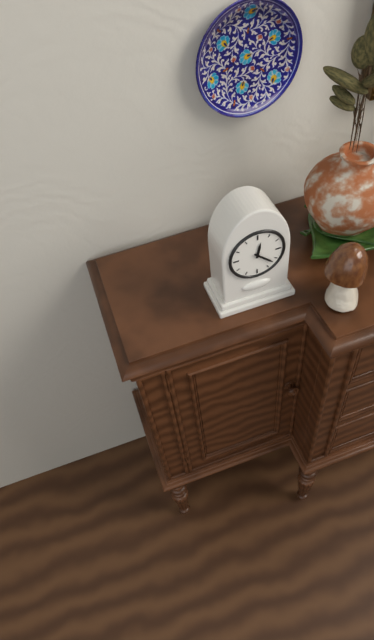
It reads 12,22
